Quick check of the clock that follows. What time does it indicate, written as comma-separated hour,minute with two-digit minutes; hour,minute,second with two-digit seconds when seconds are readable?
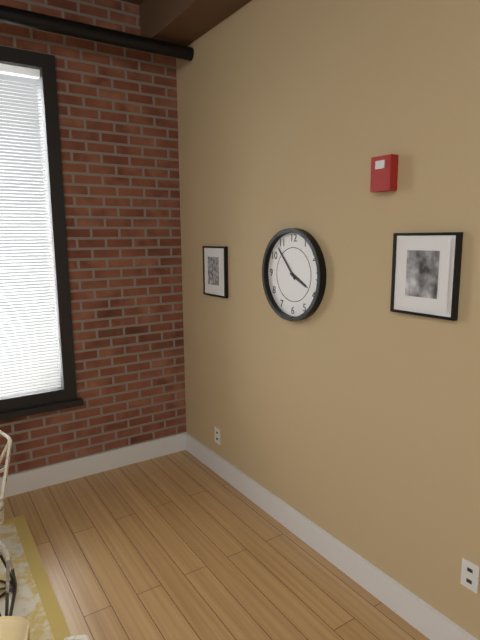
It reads 3,53
